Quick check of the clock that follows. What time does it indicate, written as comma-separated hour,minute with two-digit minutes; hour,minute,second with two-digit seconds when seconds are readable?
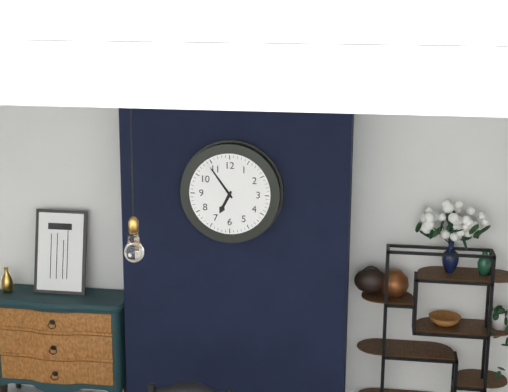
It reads 6,54
